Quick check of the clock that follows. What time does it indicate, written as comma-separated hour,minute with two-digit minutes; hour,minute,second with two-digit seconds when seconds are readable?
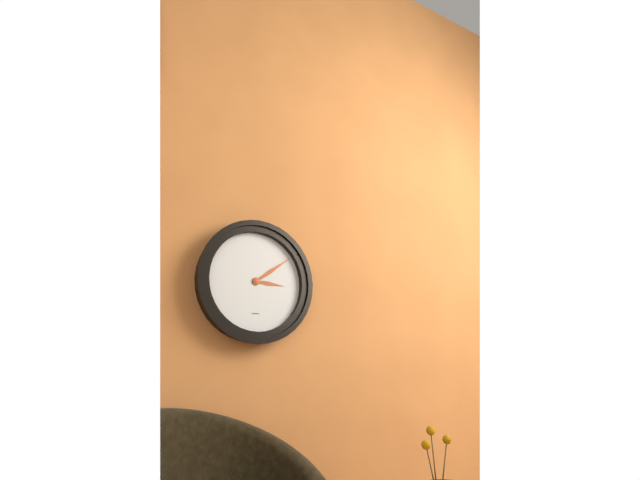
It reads 3,09
